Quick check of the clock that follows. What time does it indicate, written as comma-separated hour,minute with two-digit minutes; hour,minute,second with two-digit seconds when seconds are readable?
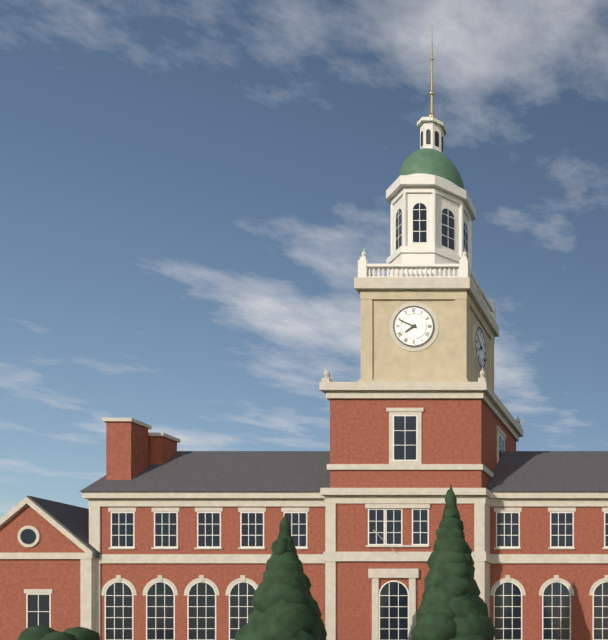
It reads 7,49
